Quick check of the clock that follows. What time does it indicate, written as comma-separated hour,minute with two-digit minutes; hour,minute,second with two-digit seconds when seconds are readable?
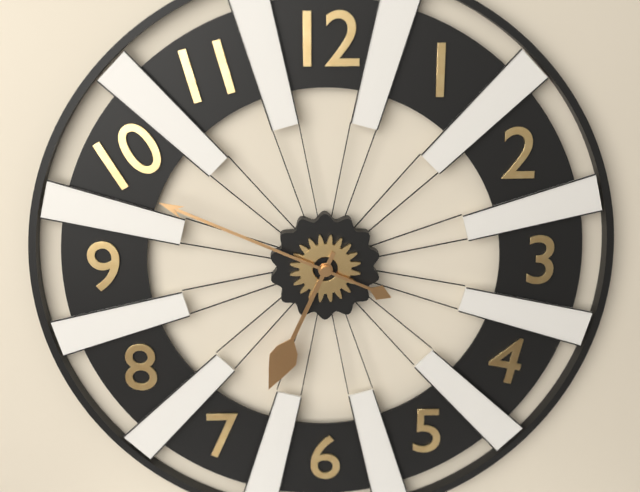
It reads 6,49
